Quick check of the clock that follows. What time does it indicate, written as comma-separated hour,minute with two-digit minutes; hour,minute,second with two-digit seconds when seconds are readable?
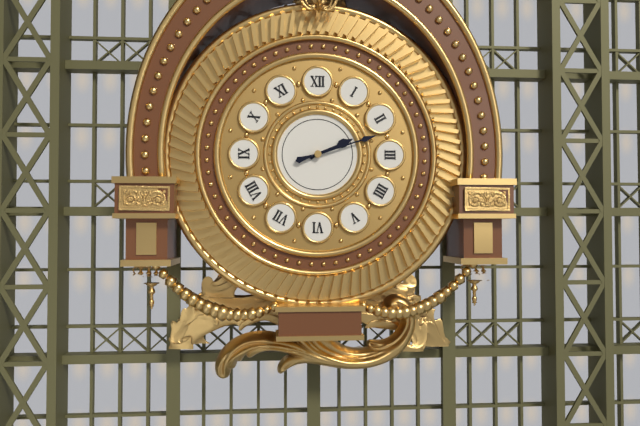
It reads 2,12
